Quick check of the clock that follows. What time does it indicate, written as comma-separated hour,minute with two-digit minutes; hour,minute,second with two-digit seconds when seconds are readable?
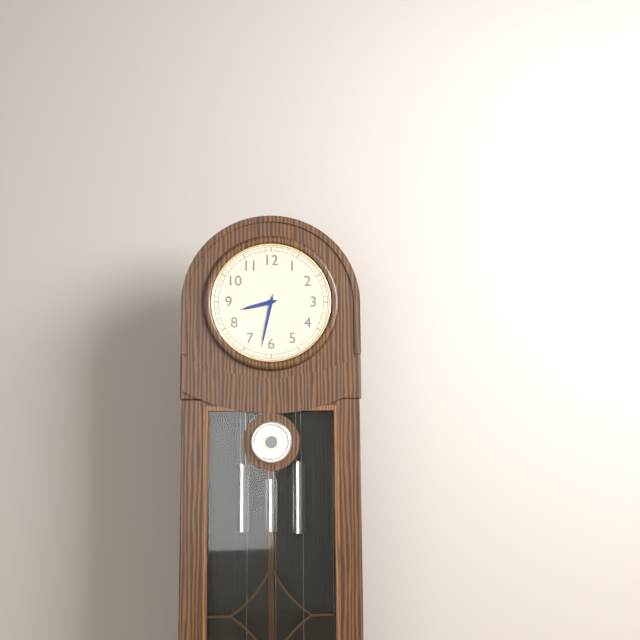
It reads 8,32
